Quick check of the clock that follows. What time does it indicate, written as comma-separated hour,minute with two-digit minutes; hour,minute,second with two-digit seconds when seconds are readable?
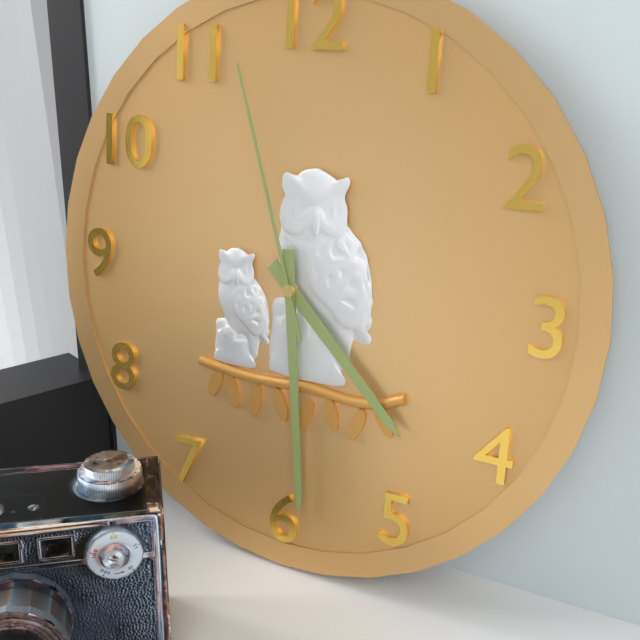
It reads 4,29,57
